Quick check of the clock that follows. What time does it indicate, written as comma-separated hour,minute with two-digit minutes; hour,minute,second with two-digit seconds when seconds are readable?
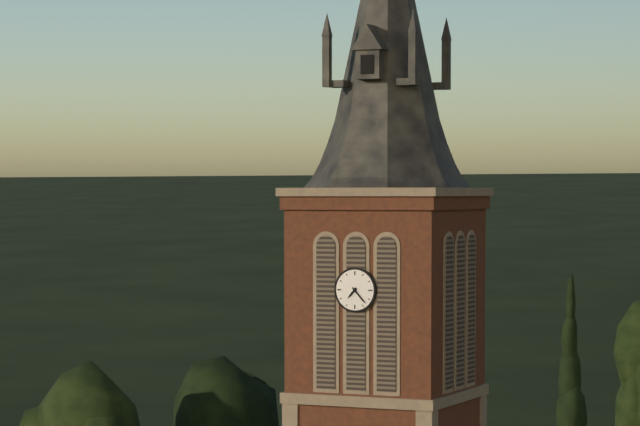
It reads 7,23
